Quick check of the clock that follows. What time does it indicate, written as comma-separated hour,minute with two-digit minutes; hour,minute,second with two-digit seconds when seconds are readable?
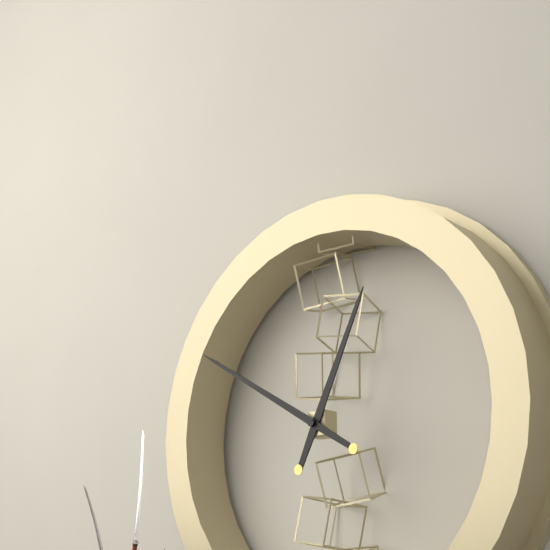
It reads 12,50
